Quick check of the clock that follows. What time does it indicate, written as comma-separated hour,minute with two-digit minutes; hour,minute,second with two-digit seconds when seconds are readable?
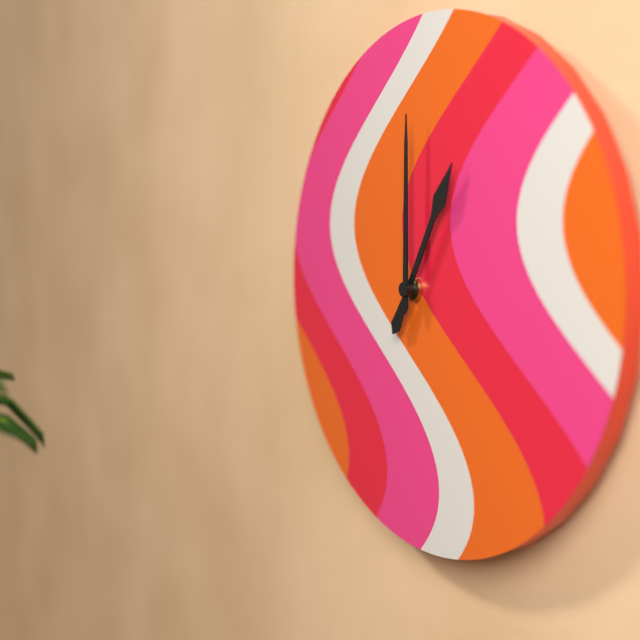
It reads 1,00
